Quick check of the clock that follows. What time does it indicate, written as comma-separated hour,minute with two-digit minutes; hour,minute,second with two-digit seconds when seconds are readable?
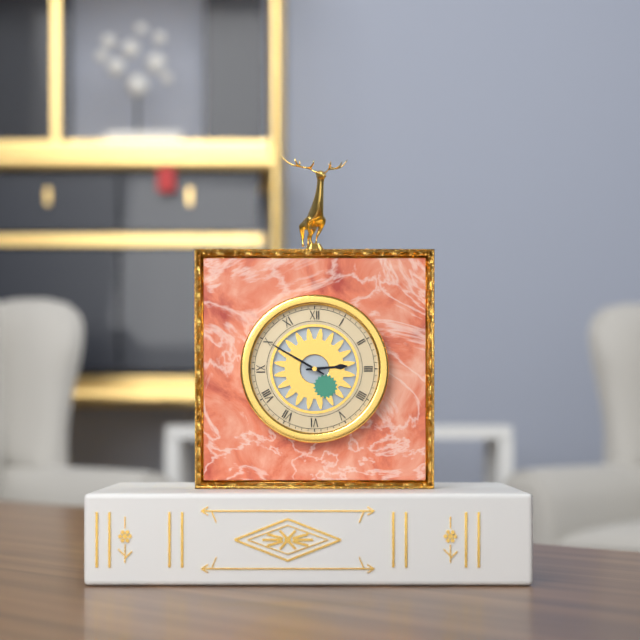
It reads 2,50
